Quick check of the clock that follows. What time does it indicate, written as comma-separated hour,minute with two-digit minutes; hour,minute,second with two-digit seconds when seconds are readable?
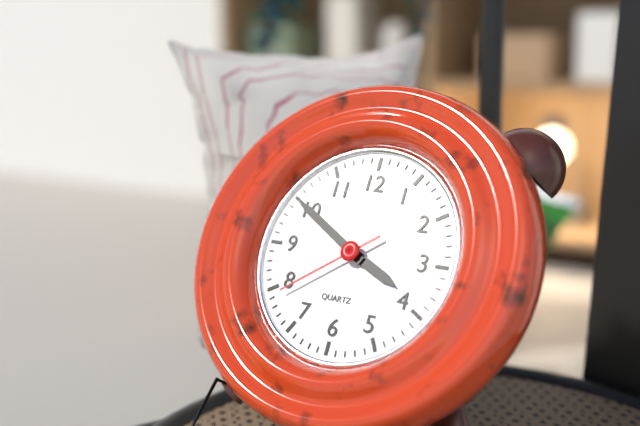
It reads 3,50,39
